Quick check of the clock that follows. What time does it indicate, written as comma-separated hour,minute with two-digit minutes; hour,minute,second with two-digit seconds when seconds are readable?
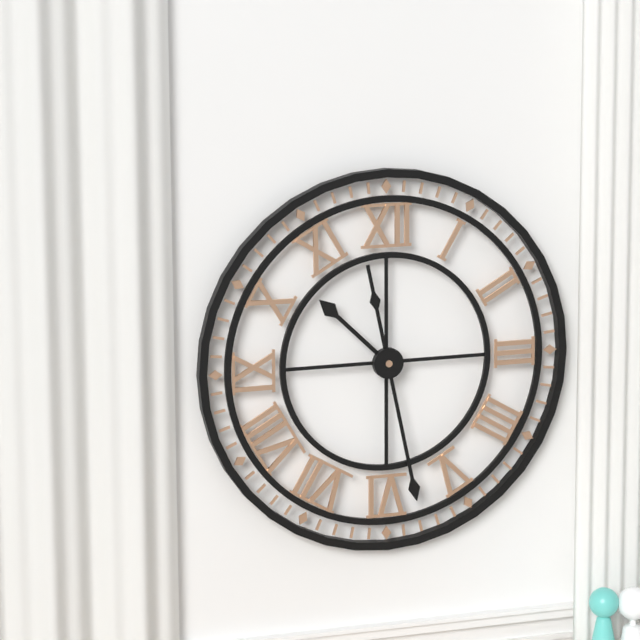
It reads 10,28
